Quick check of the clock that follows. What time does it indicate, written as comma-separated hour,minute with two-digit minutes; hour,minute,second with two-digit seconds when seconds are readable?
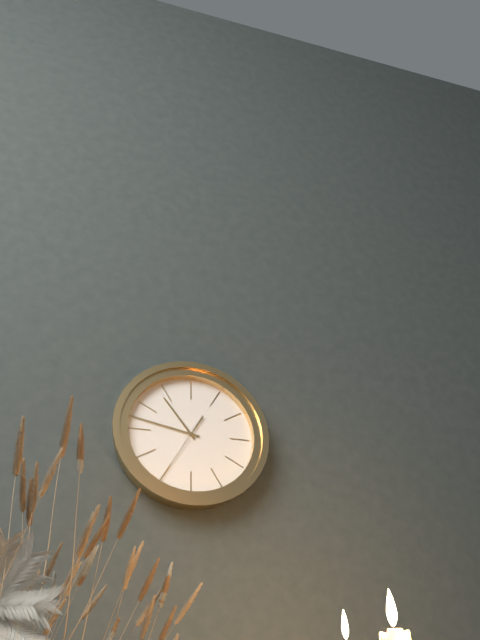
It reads 10,47,35
